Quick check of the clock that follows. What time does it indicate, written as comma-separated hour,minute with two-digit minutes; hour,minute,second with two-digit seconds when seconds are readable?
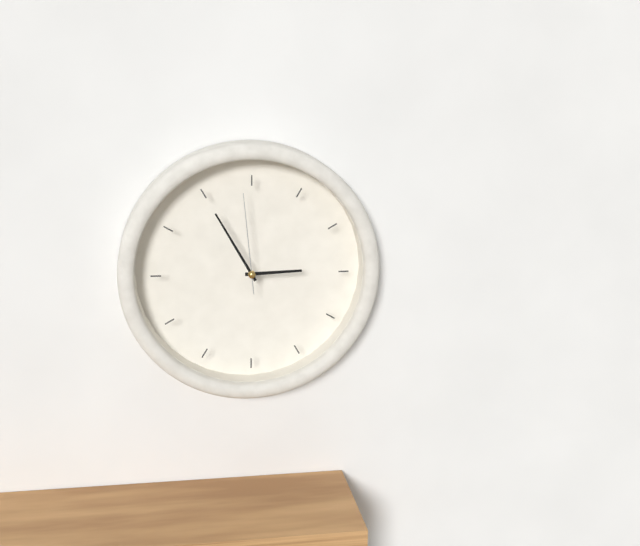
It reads 2,55,59
